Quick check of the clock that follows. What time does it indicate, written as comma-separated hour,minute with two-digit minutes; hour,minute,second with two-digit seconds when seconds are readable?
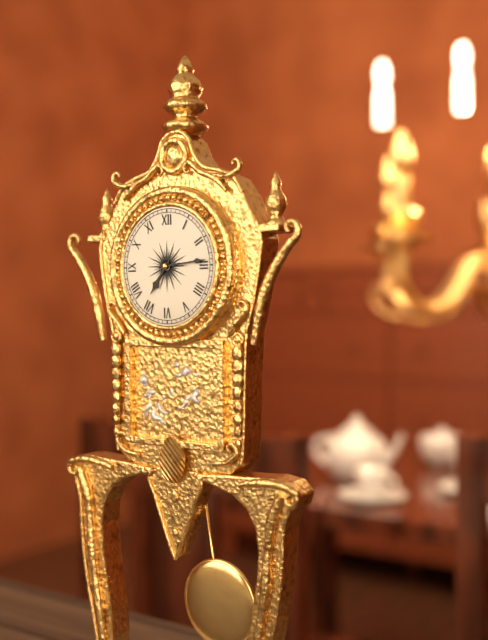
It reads 7,14
